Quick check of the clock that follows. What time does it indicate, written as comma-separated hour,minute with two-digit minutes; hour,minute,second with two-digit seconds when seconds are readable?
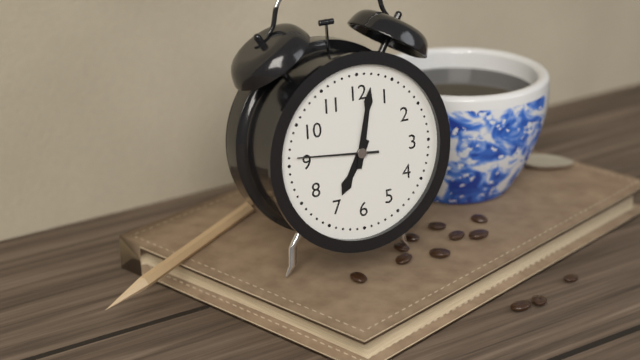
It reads 7,02,46
